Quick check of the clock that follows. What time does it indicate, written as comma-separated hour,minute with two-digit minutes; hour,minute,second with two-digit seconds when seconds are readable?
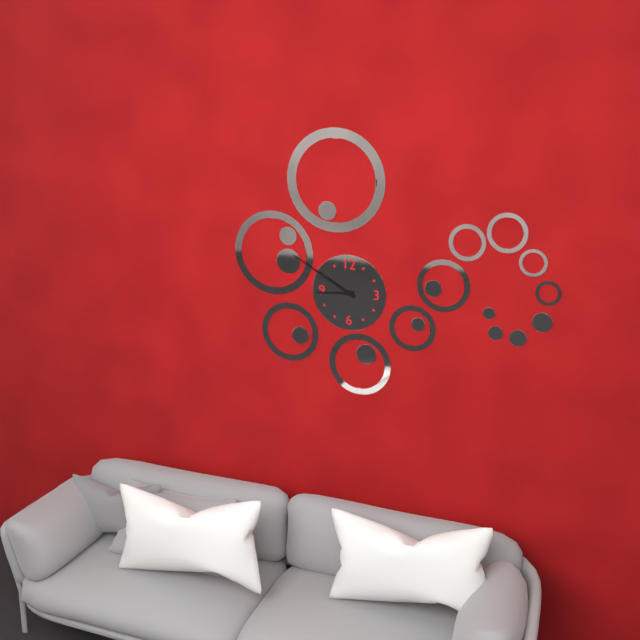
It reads 8,50
